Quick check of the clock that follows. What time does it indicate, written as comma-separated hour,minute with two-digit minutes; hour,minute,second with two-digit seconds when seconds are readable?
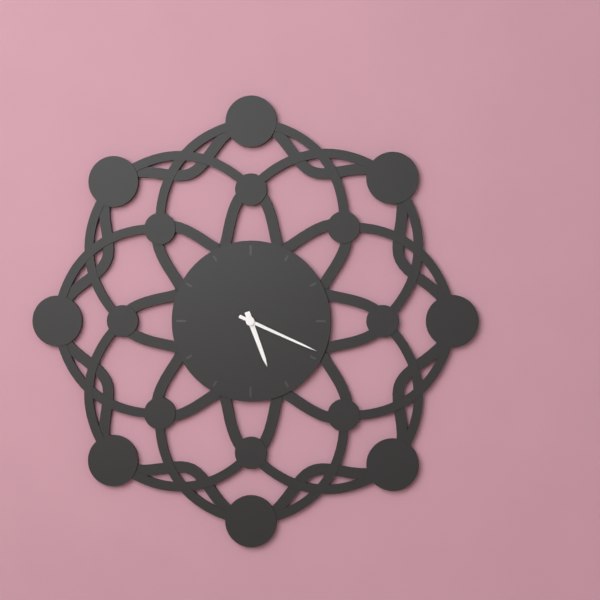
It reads 5,19
